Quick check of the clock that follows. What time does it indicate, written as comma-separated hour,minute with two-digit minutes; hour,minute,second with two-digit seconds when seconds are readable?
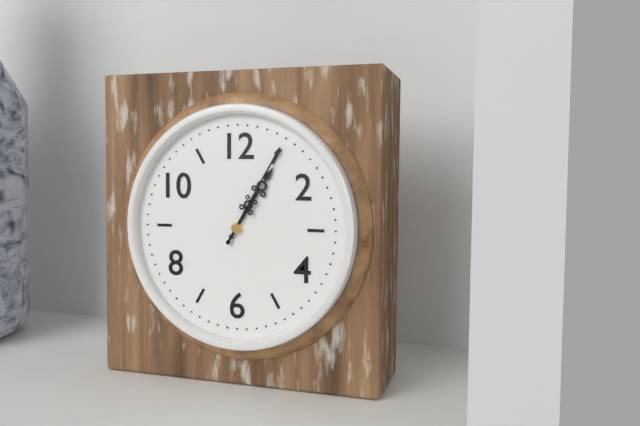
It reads 1,05
